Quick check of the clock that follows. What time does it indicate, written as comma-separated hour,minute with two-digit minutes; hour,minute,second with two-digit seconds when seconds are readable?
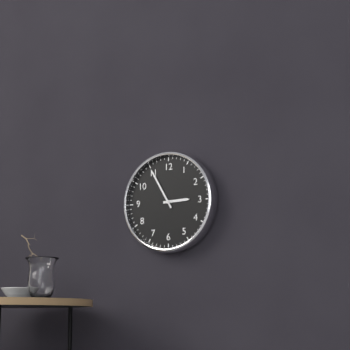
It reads 2,55
